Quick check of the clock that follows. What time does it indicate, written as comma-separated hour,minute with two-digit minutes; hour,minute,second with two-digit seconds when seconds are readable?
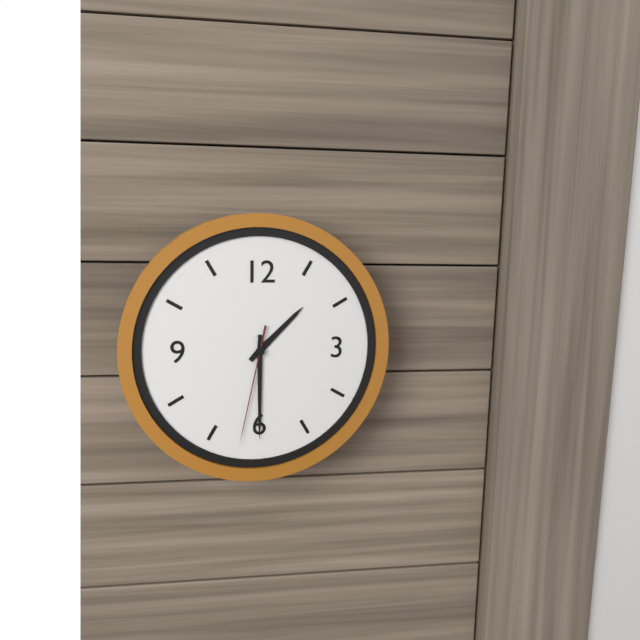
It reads 1,30,32
